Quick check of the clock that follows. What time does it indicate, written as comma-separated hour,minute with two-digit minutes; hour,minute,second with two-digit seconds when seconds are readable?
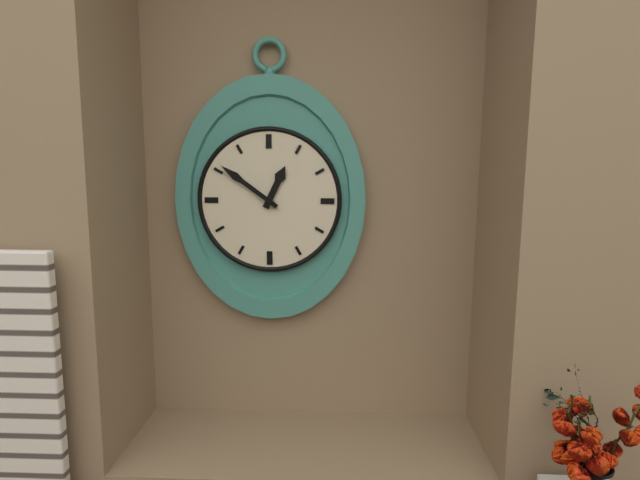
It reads 12,51
